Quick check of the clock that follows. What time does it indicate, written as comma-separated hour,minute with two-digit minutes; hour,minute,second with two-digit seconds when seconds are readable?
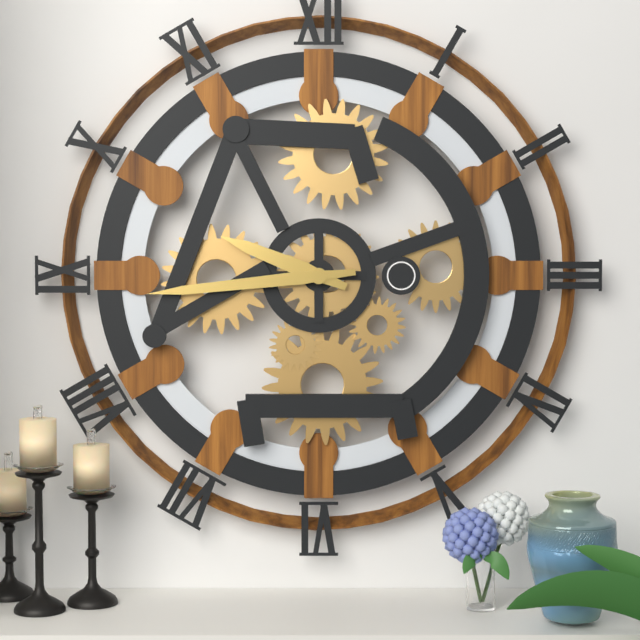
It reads 9,44
